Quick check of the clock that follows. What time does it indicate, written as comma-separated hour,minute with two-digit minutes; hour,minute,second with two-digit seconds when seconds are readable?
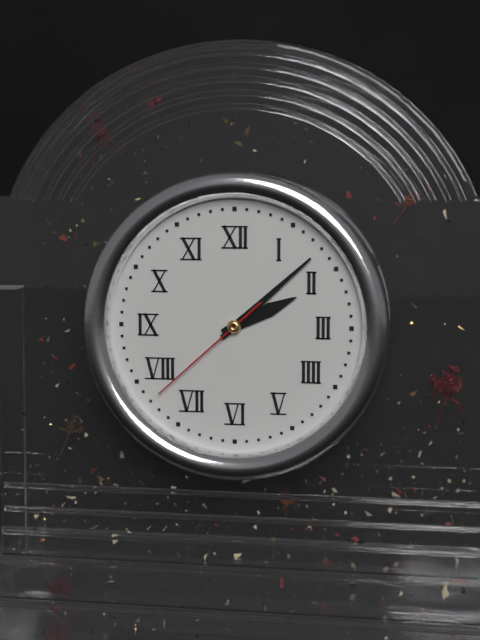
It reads 2,08,38
